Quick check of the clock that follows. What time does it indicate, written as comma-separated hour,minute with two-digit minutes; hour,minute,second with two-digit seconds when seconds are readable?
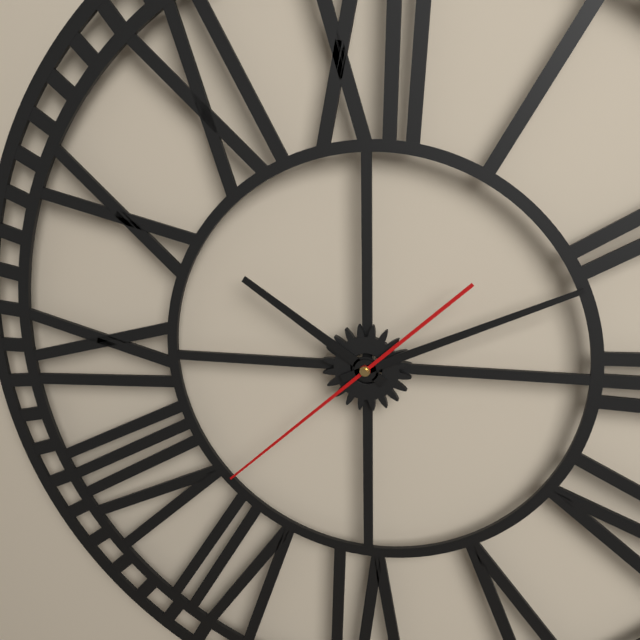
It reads 10,11,38
